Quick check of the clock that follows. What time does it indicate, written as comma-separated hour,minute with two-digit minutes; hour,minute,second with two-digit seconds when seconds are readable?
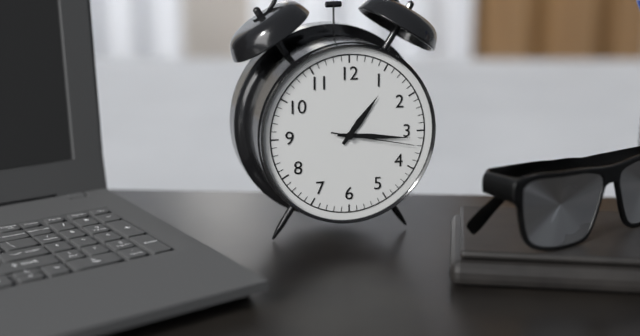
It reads 1,16,17
